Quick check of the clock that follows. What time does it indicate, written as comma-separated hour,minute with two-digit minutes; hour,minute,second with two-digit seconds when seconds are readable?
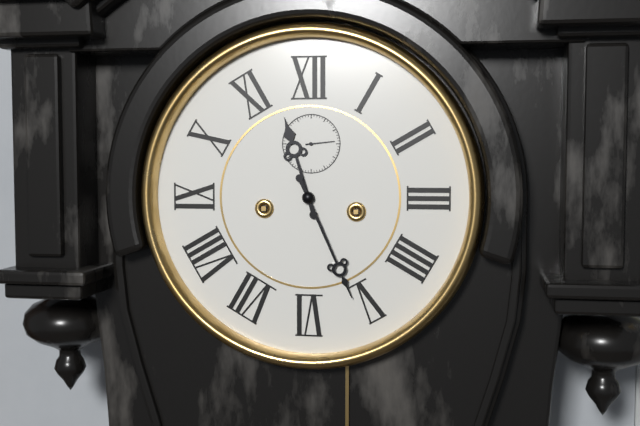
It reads 11,26
